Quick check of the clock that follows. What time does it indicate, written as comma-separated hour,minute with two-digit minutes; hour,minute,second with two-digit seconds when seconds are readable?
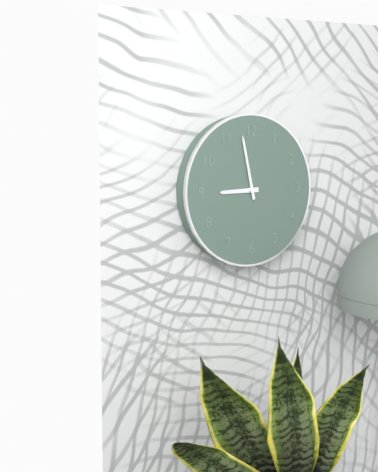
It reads 8,58
